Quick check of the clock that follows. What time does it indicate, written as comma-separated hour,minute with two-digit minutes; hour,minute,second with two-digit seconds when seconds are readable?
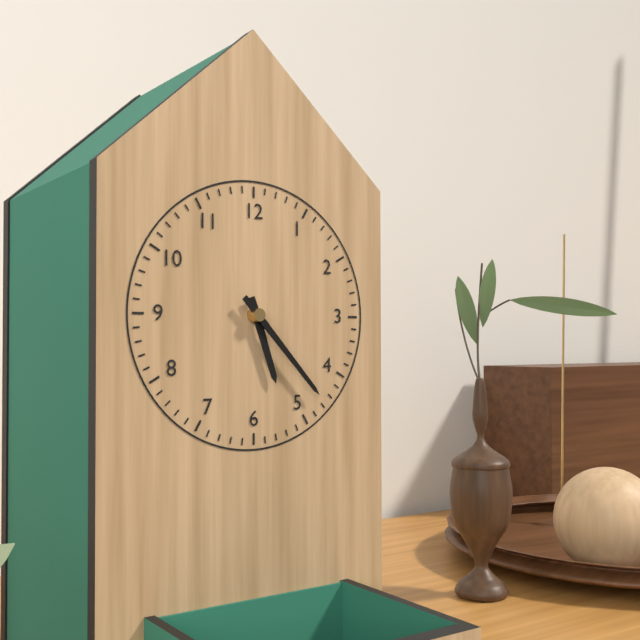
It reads 5,23
